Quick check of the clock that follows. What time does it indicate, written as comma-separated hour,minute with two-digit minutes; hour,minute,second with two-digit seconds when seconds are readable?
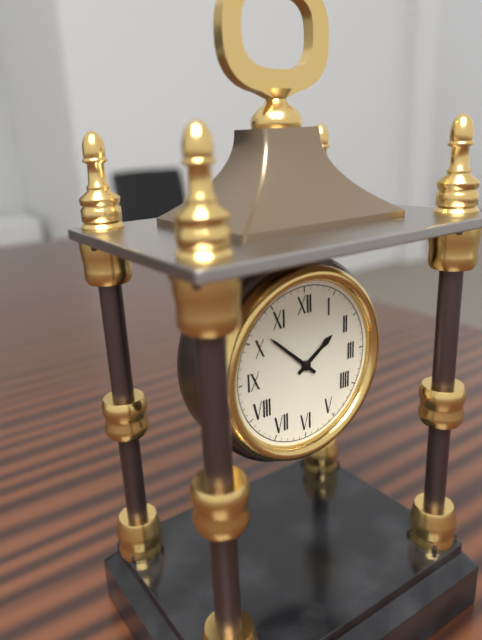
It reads 1,52
